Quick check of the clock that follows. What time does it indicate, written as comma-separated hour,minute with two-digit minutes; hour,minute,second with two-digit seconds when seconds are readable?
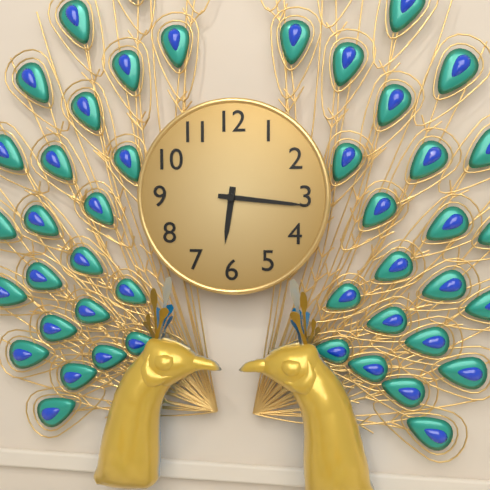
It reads 6,16
